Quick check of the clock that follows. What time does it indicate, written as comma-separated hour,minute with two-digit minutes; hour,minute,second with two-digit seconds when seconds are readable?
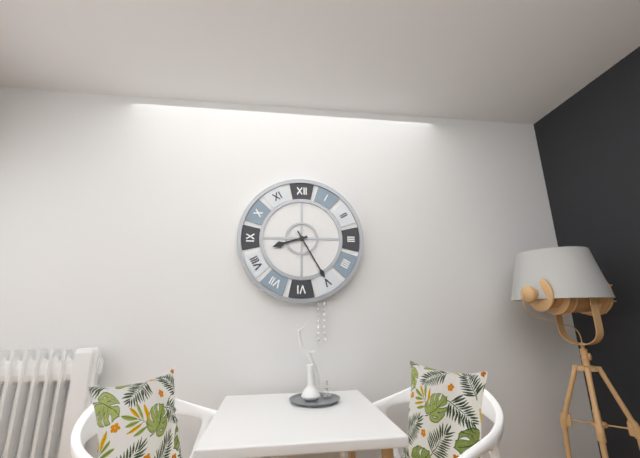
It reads 8,25
